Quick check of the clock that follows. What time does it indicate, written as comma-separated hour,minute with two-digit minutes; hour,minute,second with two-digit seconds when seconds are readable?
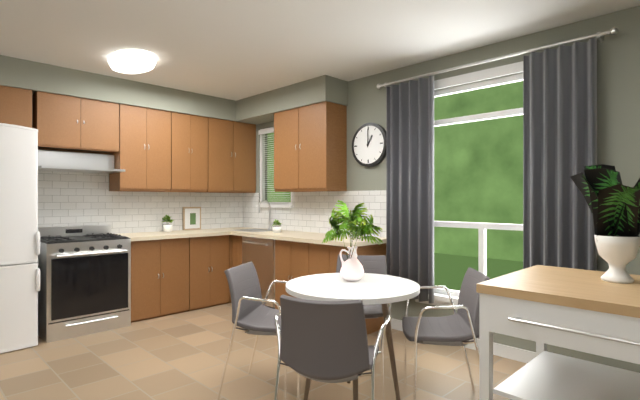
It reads 1,00
